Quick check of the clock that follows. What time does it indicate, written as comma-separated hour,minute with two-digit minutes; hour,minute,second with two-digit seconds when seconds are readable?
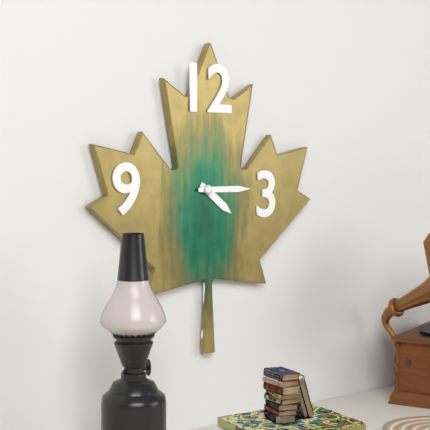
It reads 4,15
